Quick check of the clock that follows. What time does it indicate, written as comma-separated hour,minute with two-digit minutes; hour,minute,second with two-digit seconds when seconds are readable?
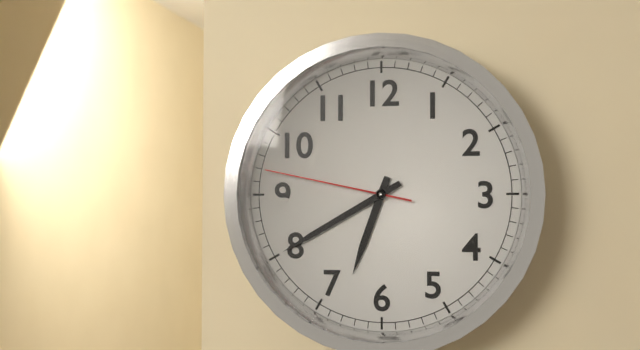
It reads 6,40,47
